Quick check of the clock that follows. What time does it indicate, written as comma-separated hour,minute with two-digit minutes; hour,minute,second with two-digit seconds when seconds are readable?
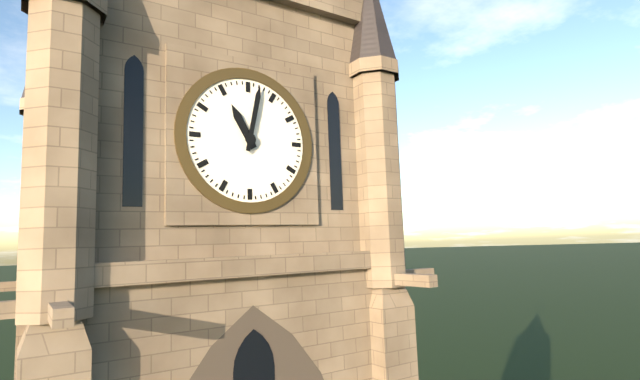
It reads 11,02
